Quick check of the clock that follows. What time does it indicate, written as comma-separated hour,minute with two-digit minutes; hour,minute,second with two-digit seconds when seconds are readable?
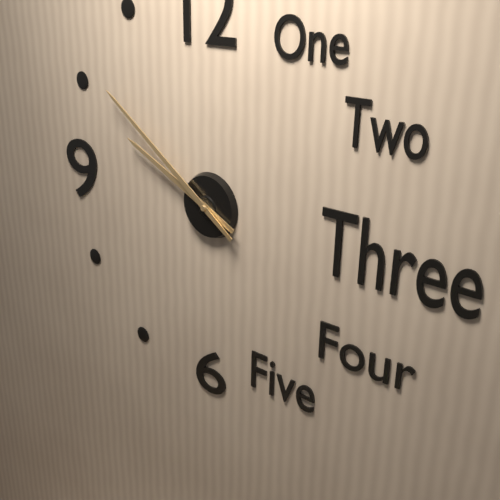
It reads 9,51
